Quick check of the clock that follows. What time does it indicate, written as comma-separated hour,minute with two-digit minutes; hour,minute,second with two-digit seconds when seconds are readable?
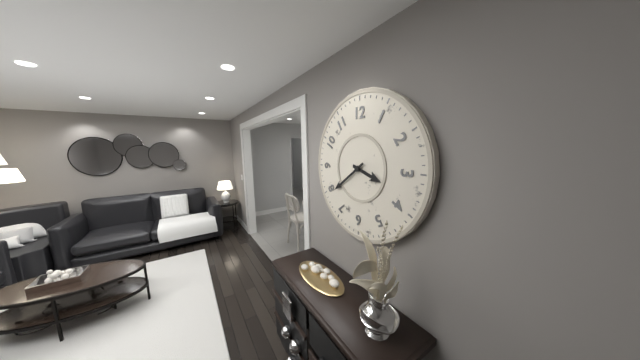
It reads 3,39
